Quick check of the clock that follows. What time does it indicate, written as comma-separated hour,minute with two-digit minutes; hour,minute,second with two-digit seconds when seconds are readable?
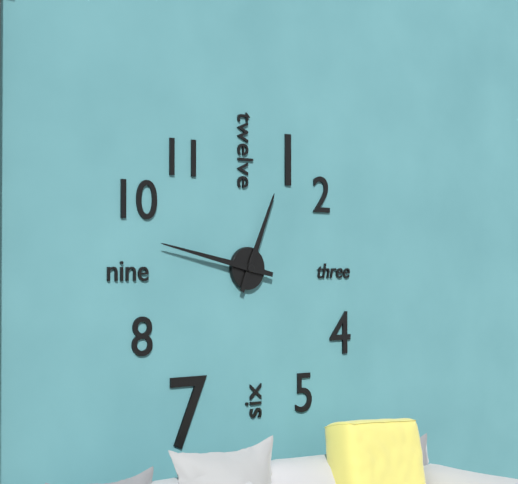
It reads 12,47
